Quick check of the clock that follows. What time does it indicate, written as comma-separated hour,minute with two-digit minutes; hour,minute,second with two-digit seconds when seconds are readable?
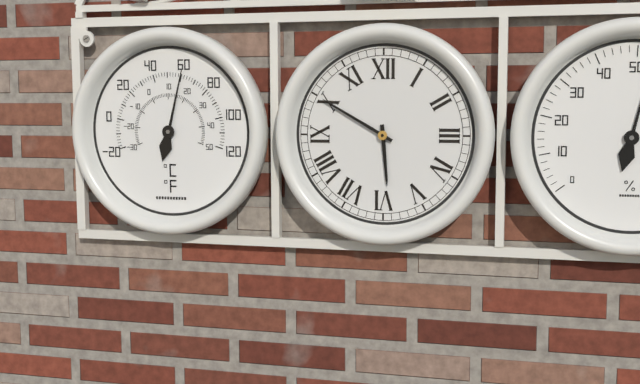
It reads 5,50
